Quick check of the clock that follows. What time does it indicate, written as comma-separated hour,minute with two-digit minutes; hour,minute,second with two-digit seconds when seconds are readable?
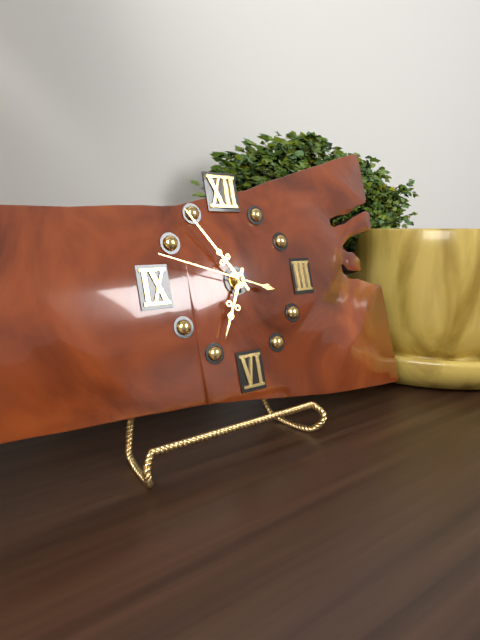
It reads 6,54,48
